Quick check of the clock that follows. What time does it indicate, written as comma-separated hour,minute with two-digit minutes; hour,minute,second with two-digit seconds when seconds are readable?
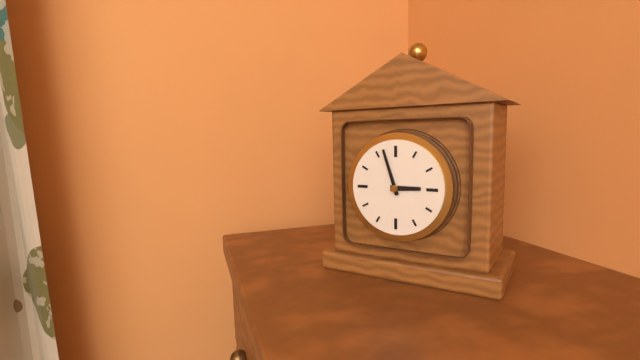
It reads 2,57
